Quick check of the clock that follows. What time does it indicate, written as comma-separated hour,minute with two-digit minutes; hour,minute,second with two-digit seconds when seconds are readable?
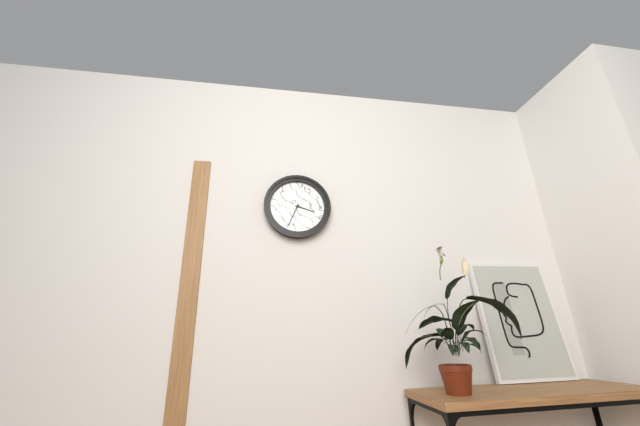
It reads 3,34
